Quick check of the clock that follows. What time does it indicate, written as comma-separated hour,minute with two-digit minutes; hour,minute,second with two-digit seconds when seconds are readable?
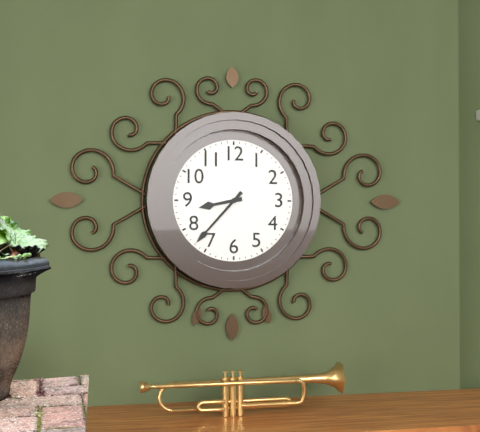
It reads 8,37
